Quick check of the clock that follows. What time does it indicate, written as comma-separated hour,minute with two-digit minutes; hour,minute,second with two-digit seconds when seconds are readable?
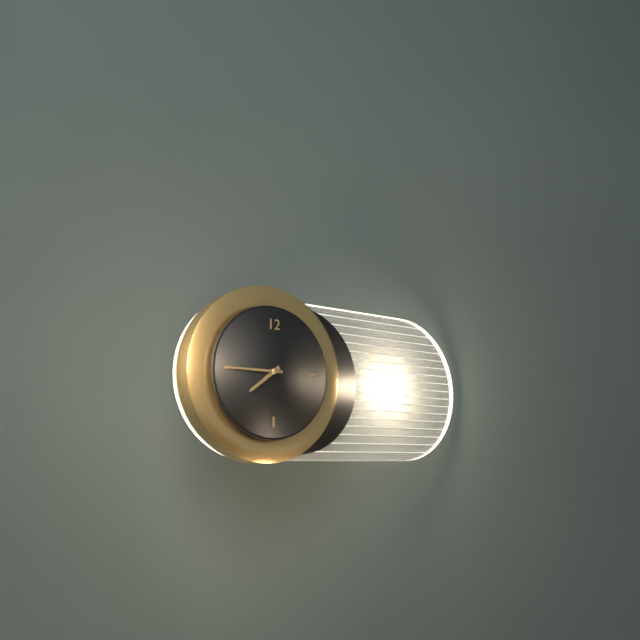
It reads 7,45
